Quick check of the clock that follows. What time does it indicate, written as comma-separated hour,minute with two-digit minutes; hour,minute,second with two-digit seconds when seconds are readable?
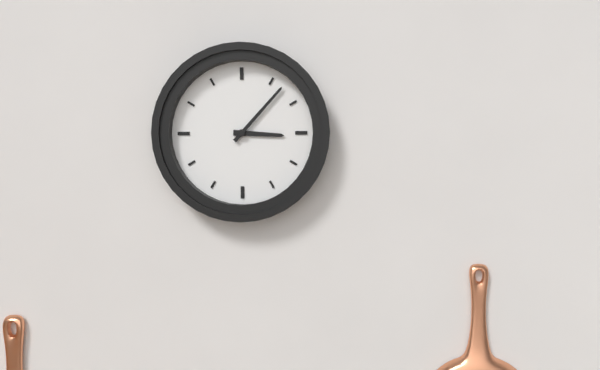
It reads 3,07
